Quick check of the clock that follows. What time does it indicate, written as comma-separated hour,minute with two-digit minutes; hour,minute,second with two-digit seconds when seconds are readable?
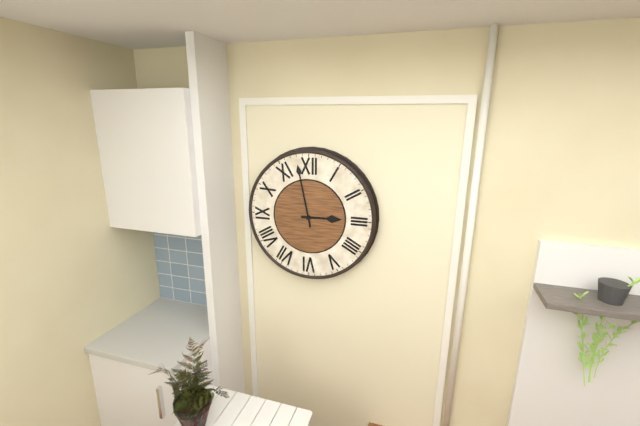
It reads 2,58
